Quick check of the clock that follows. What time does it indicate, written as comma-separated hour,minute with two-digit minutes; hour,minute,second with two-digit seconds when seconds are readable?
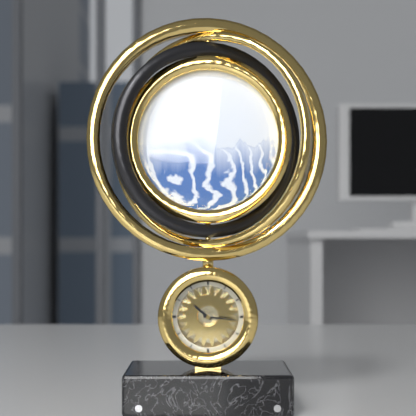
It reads 10,16
